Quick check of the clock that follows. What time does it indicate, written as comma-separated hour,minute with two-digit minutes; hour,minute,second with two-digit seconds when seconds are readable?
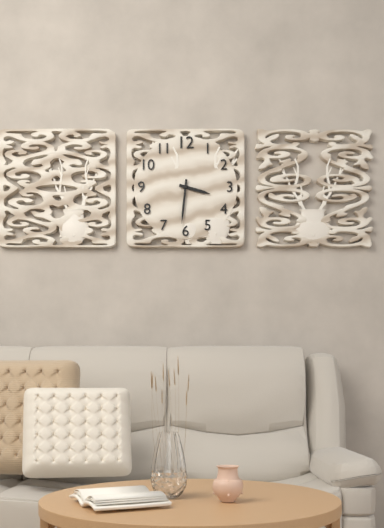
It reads 3,31
